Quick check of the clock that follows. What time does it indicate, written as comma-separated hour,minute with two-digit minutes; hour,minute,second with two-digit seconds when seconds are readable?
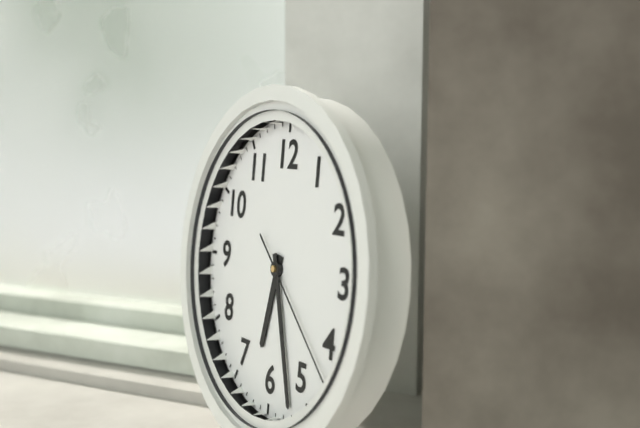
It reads 6,27,22
